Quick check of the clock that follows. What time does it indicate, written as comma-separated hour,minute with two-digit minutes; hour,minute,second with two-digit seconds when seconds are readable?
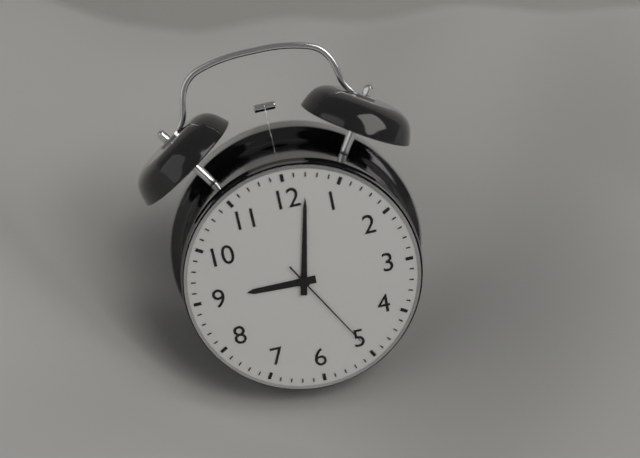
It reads 9,02,25
